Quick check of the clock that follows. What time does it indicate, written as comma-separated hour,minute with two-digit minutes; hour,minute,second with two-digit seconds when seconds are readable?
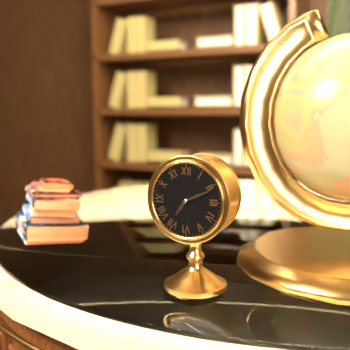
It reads 7,11
